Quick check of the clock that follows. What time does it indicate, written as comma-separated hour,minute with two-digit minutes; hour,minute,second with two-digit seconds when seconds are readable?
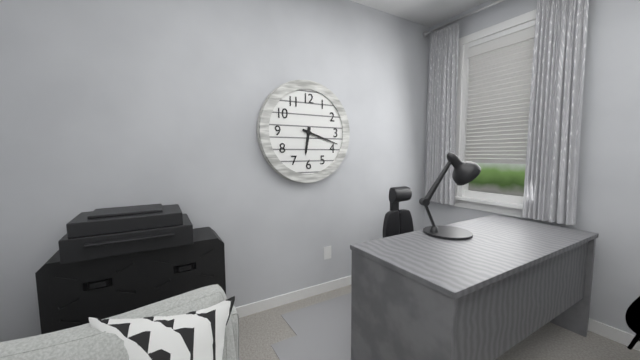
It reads 6,18
